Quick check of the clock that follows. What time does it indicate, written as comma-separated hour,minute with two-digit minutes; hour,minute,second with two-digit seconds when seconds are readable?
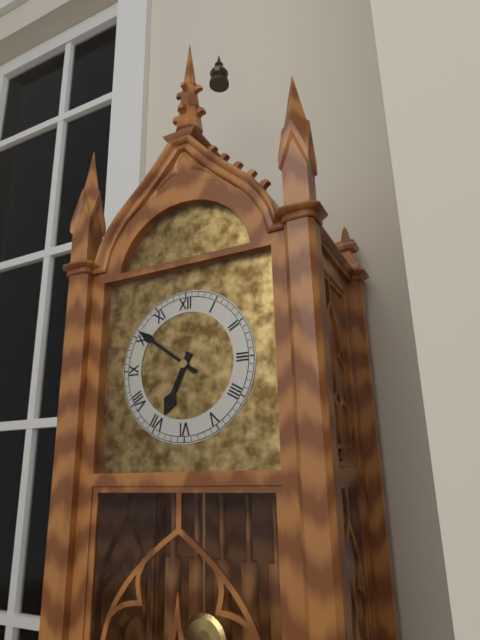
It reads 6,51
